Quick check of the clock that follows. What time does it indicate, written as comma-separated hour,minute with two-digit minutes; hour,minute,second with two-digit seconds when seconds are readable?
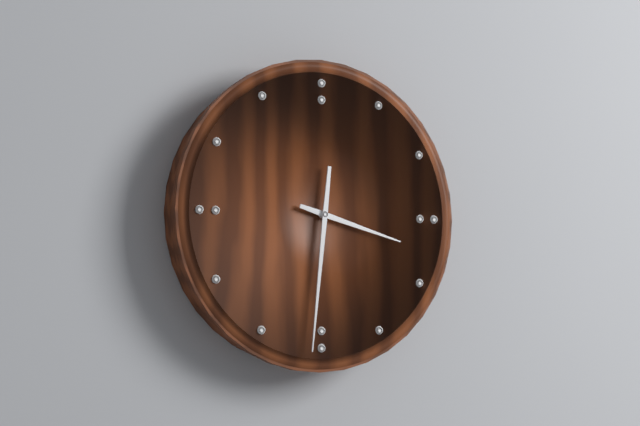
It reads 3,31
